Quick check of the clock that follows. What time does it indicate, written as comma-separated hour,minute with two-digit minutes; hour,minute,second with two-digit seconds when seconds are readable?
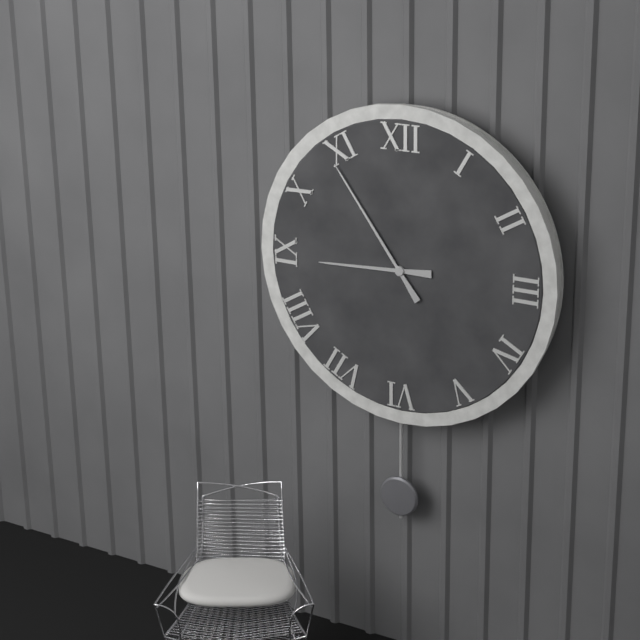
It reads 8,54
